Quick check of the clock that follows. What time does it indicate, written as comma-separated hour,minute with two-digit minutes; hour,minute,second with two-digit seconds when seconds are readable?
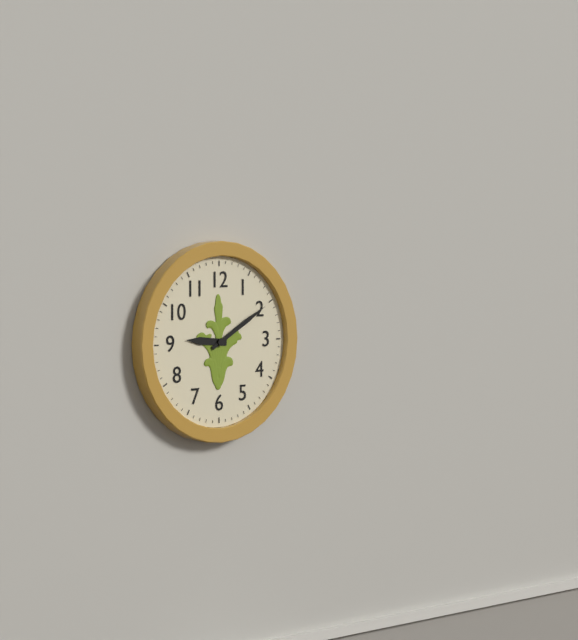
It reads 9,10
